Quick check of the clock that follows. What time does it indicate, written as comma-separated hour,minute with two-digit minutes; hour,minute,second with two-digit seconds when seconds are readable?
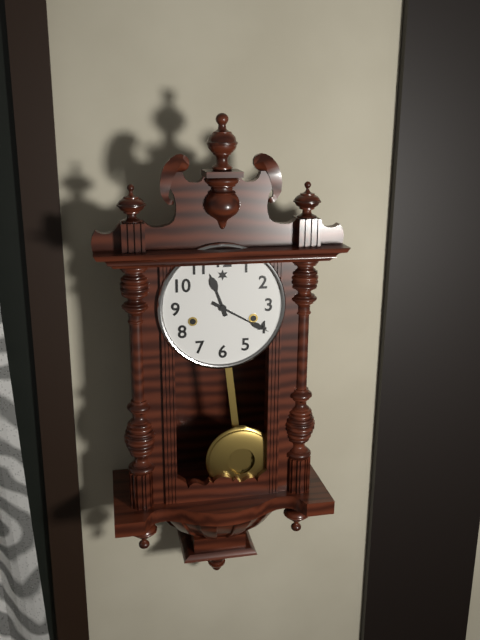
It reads 11,20
